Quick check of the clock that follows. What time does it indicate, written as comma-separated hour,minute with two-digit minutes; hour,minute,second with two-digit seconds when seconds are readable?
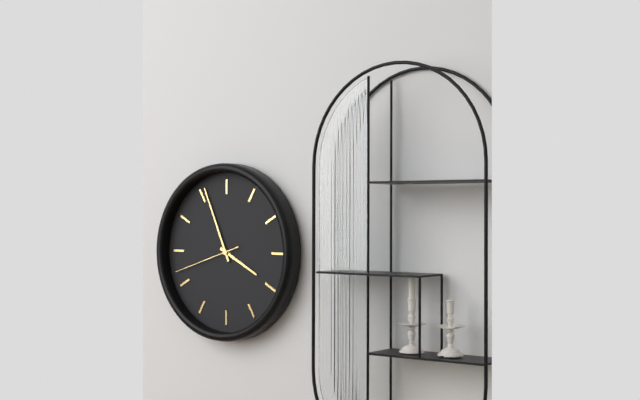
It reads 3,56,42
